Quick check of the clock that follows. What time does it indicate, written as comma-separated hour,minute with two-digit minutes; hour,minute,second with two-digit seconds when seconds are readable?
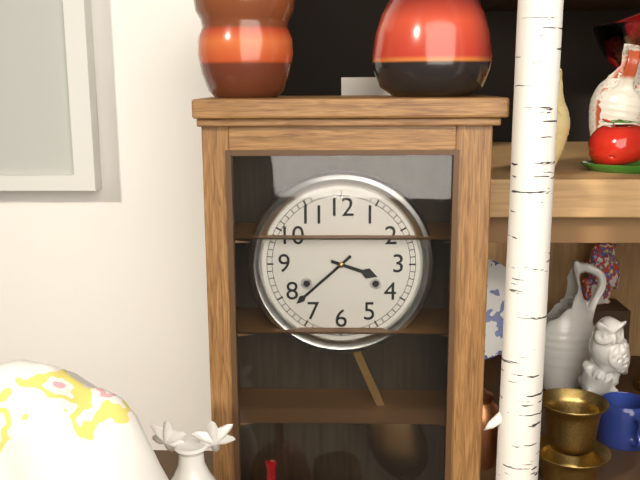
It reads 3,38
